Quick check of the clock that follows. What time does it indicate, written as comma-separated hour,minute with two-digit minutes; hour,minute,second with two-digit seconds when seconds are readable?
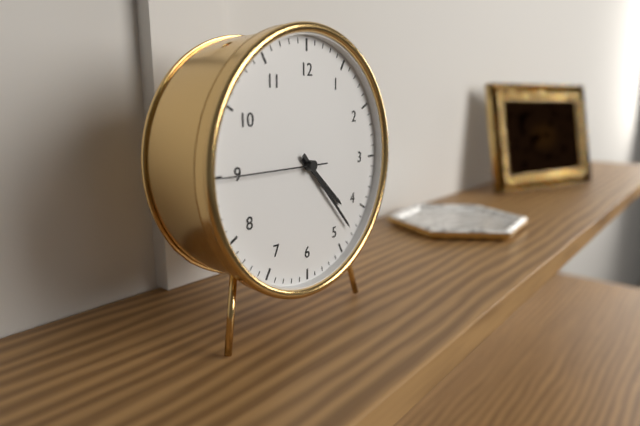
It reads 4,23,45
